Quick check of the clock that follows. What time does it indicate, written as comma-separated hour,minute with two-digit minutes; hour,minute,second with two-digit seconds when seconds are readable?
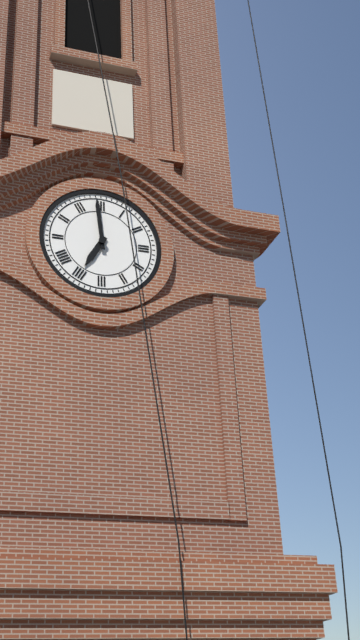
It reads 6,59
